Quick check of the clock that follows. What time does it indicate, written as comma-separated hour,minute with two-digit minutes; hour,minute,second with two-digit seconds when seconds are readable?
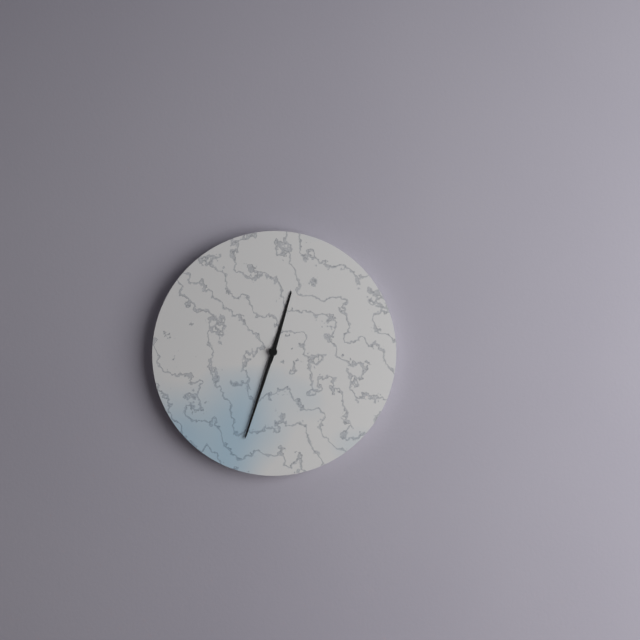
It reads 12,33
